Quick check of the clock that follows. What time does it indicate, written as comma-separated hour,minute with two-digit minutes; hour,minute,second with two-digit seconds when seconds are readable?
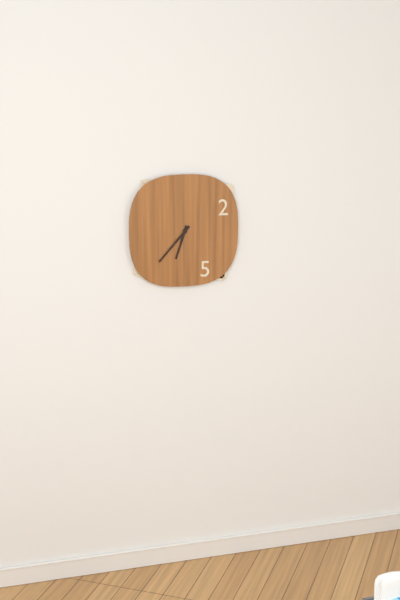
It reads 6,37
